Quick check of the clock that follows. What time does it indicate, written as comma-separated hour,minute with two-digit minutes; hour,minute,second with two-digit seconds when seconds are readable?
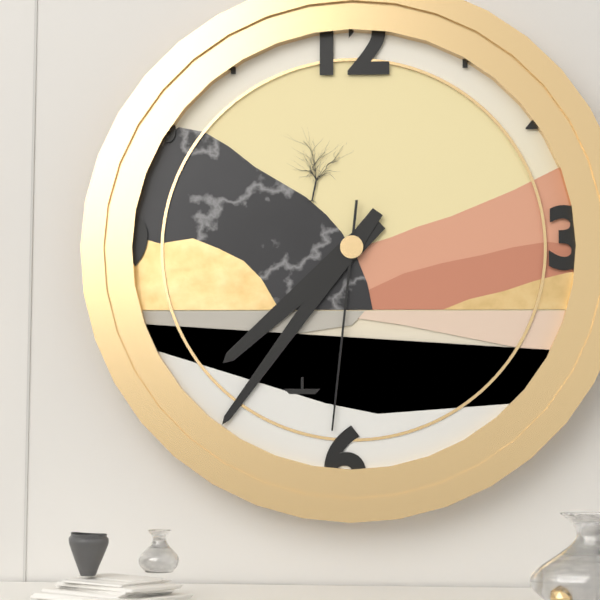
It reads 7,36,31
